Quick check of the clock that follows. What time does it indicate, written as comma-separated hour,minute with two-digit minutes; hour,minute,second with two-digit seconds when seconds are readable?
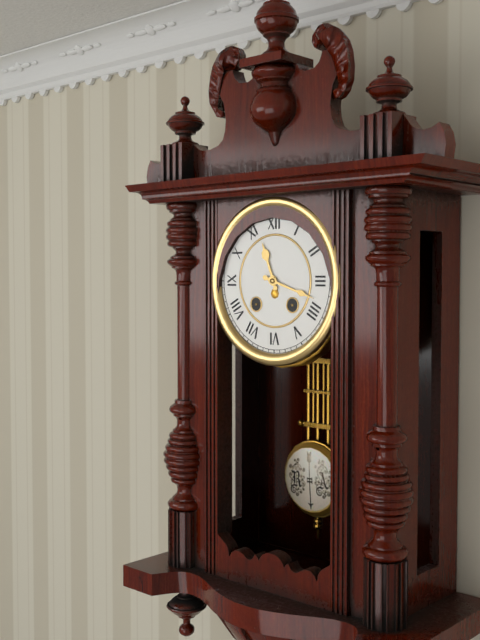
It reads 11,18
